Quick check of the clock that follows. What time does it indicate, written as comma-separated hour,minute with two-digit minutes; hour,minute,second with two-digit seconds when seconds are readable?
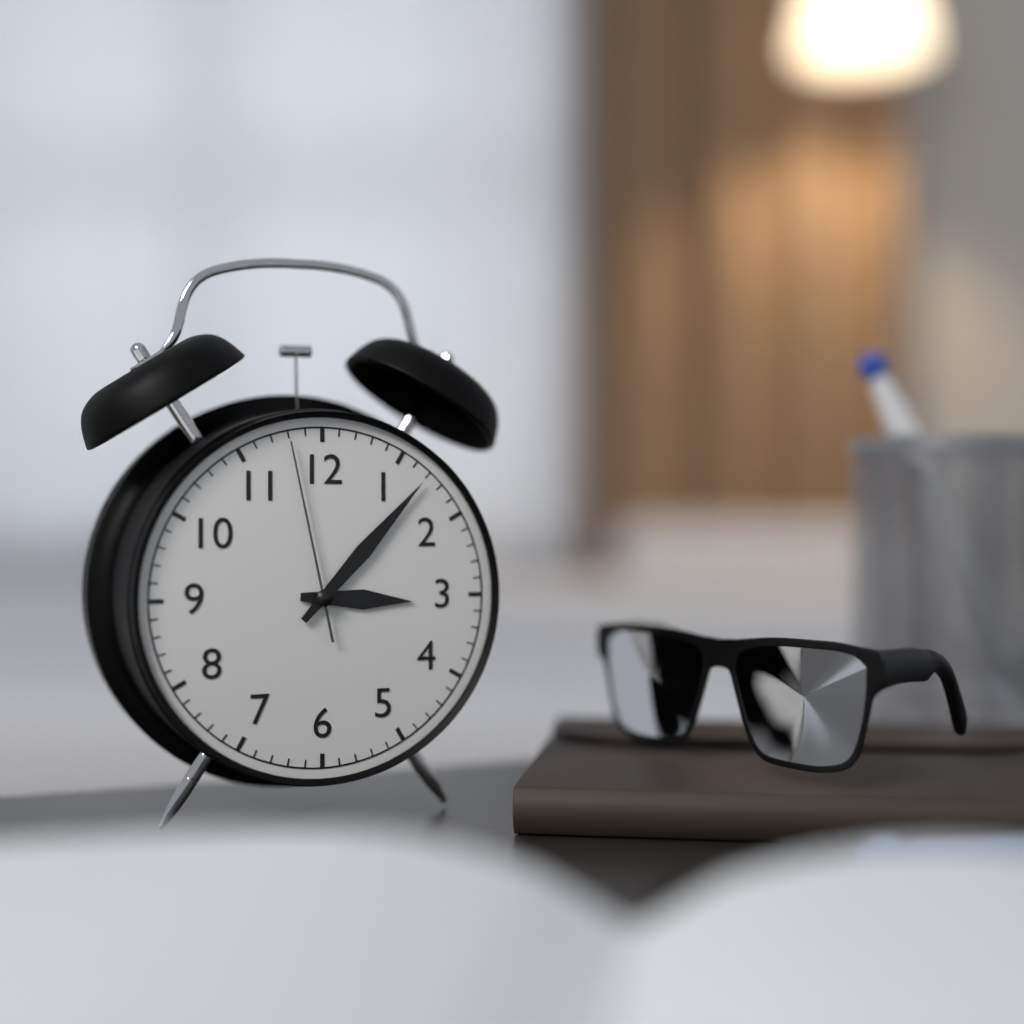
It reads 3,07,58
